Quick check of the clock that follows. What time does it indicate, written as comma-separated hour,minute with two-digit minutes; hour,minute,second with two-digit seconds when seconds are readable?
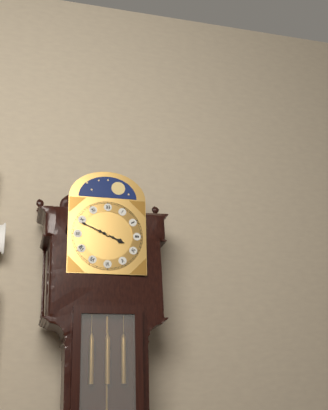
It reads 3,49
